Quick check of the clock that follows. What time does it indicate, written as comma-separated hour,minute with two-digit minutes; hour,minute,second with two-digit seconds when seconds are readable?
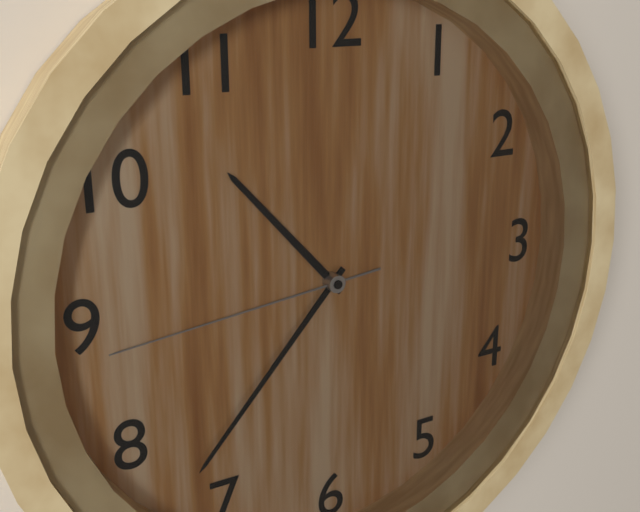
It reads 10,37,44
